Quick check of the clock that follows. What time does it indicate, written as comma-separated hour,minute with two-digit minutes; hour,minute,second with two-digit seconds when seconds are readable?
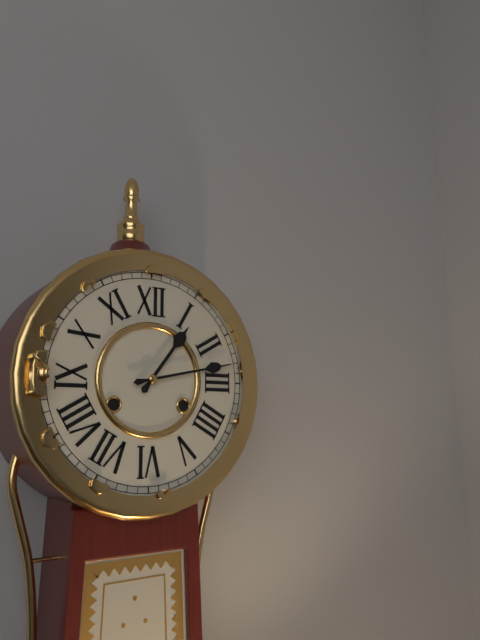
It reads 1,13
